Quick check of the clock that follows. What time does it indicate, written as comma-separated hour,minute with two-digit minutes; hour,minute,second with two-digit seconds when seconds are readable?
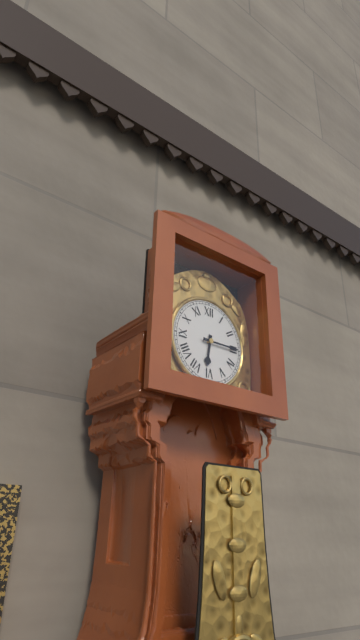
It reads 6,15
